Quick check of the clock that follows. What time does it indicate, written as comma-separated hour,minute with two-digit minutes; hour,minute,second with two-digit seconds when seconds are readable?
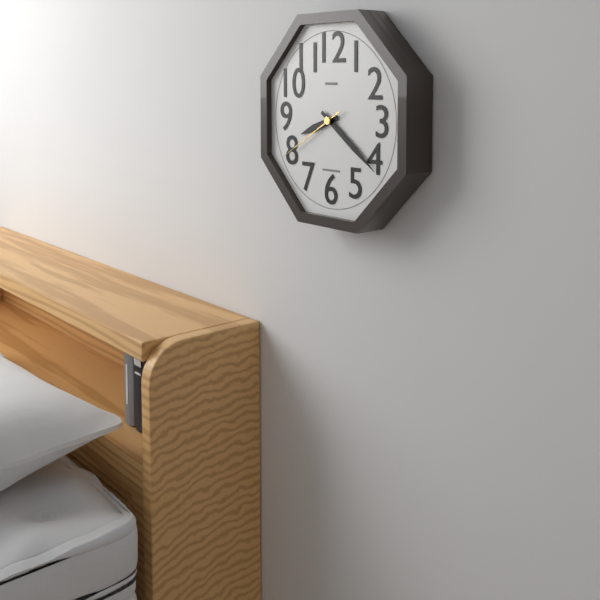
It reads 8,21,40
